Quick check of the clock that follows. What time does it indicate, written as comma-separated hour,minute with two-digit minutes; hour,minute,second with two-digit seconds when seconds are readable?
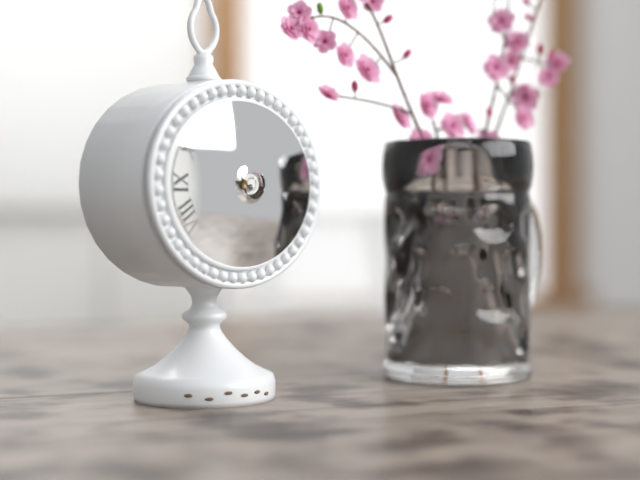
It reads 9,26
